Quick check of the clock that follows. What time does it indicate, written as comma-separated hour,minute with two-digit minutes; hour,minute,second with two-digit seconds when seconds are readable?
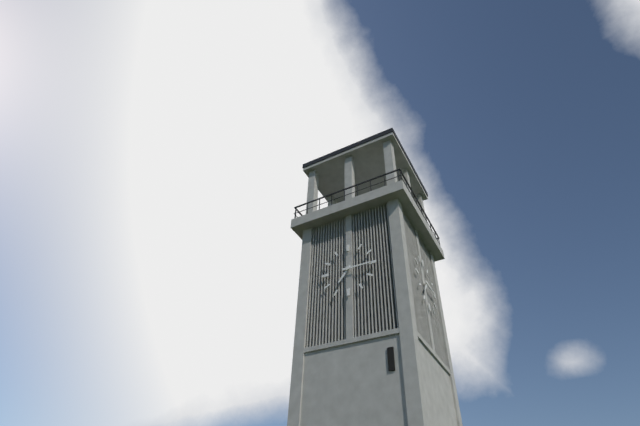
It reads 7,15
